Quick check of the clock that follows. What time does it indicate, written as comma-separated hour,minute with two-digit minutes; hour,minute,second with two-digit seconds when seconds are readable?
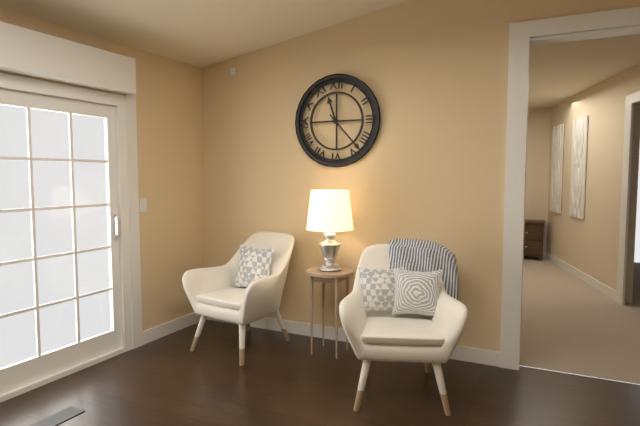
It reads 11,23
